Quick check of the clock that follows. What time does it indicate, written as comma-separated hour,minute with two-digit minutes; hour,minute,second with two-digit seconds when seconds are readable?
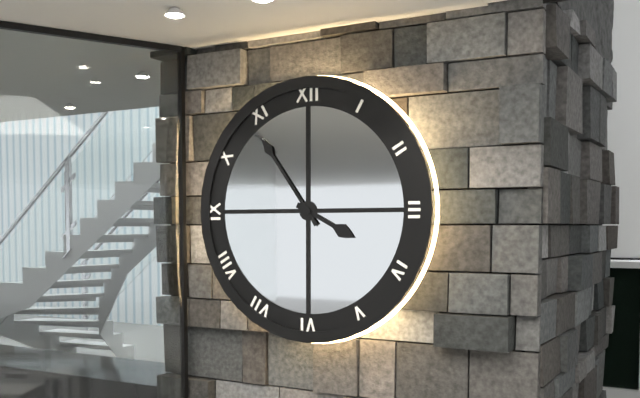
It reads 3,54
